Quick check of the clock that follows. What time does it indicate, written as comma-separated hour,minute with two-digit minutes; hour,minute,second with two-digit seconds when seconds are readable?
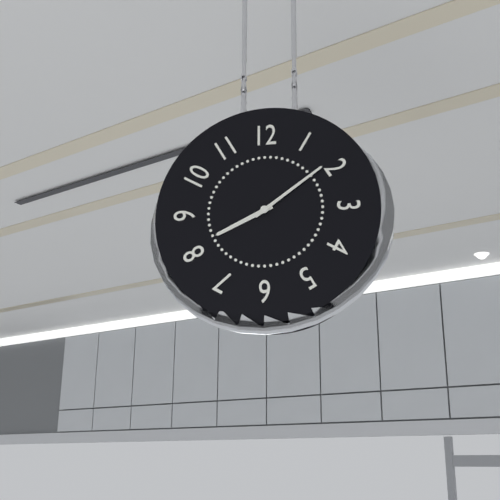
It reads 8,09
